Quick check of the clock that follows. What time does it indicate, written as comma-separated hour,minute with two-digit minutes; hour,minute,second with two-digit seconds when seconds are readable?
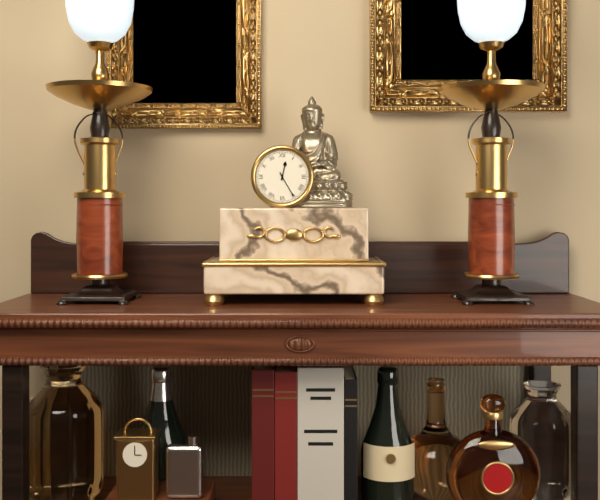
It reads 12,25
